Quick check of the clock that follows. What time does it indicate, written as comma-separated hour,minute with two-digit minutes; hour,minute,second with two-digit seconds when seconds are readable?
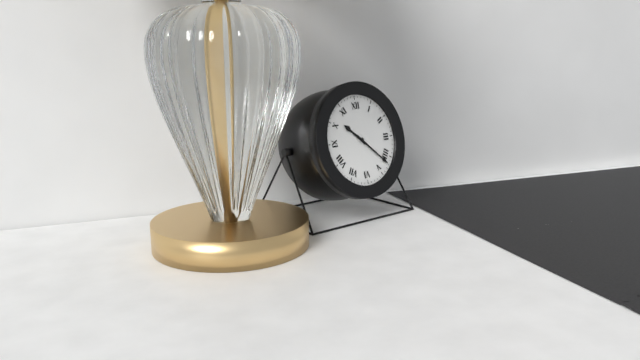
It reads 10,22
